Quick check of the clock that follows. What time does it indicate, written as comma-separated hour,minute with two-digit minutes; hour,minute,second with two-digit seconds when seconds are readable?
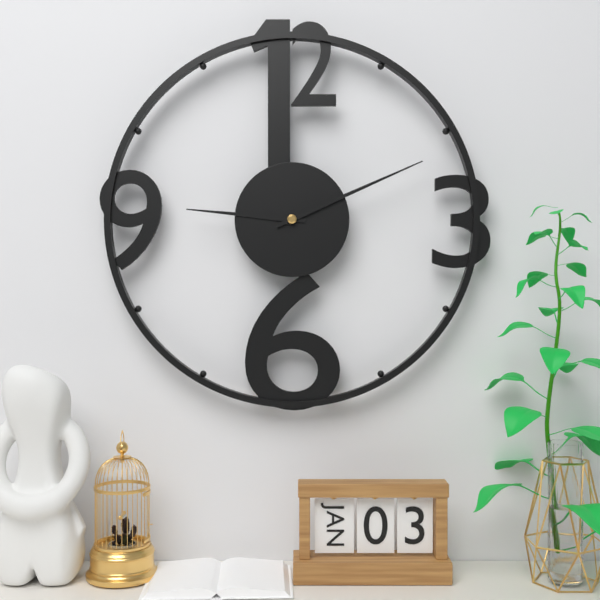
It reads 9,11
